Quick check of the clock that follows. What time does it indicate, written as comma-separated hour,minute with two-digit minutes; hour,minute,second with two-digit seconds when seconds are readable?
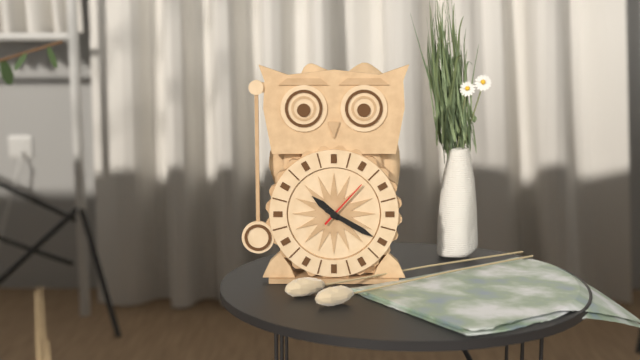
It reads 10,20,07
